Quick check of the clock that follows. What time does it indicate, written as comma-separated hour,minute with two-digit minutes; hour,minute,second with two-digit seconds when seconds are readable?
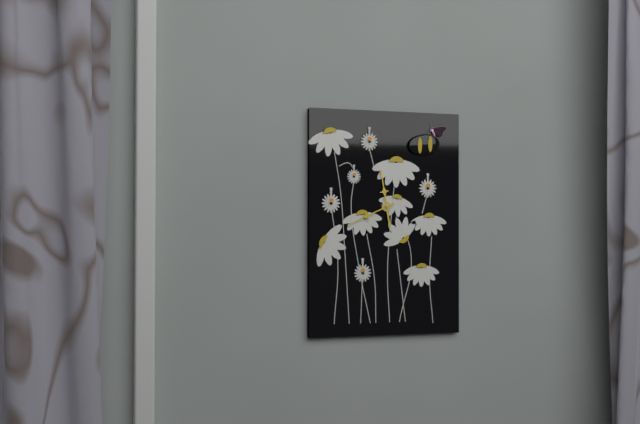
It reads 11,41
